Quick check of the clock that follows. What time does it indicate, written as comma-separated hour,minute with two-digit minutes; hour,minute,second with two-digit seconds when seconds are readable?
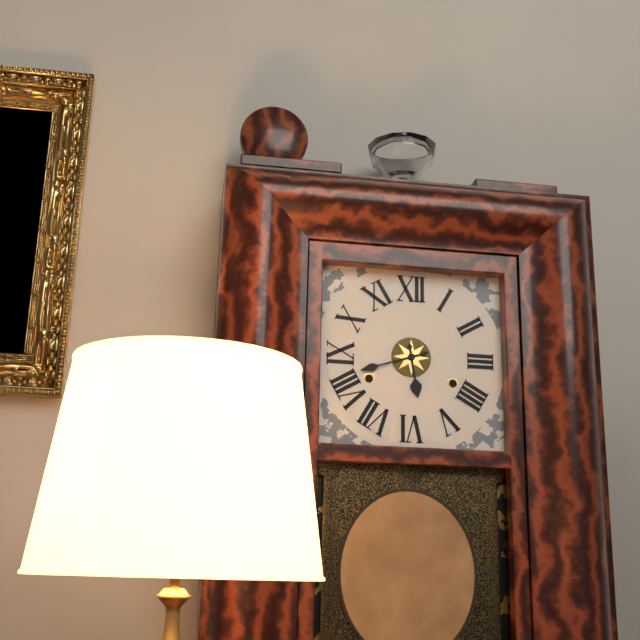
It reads 5,42
